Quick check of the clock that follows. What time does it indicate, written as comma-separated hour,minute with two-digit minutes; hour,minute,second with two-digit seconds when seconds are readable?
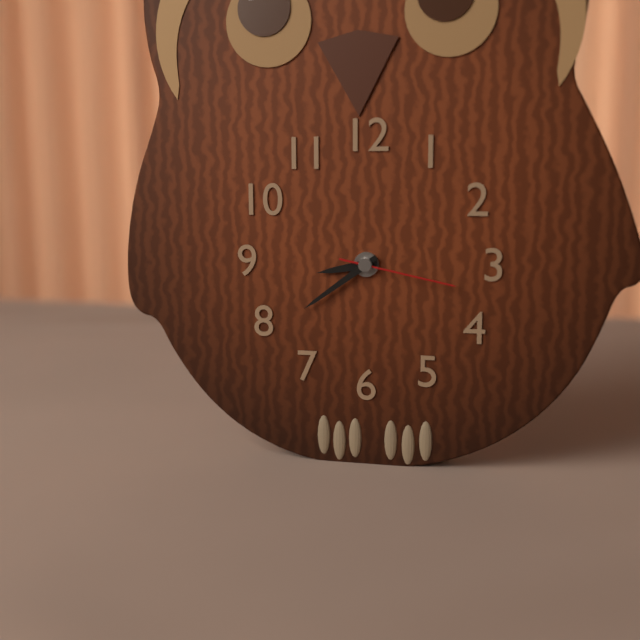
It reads 8,39,17
